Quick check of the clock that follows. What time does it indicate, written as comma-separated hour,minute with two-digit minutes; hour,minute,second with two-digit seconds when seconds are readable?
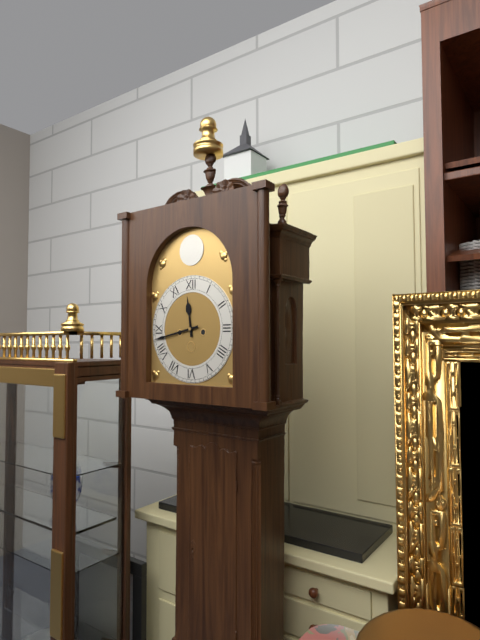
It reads 11,43
